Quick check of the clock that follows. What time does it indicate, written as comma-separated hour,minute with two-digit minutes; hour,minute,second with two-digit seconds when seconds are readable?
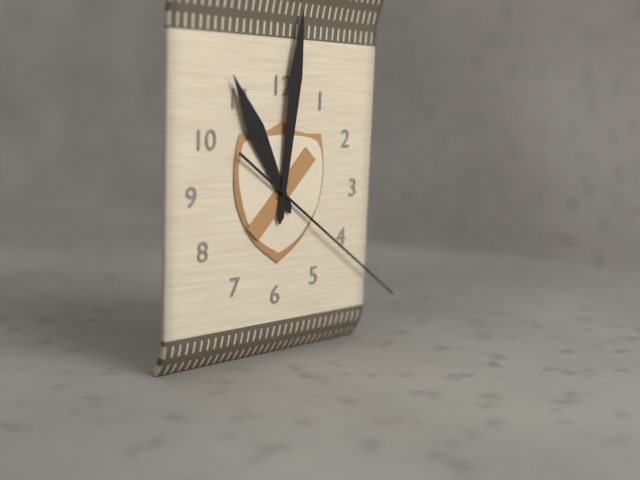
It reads 11,01,21
